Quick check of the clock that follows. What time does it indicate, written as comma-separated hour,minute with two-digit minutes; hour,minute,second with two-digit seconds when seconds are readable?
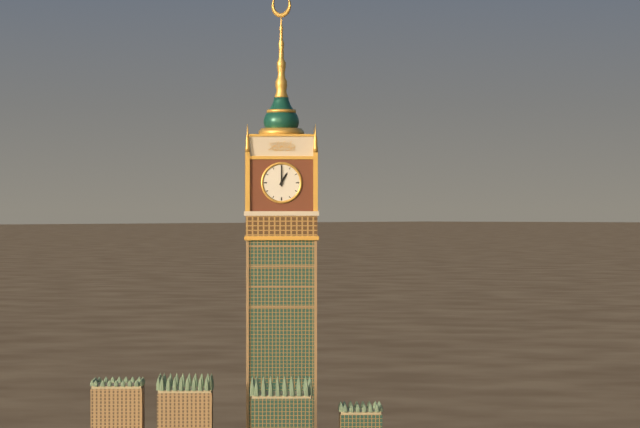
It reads 1,00
